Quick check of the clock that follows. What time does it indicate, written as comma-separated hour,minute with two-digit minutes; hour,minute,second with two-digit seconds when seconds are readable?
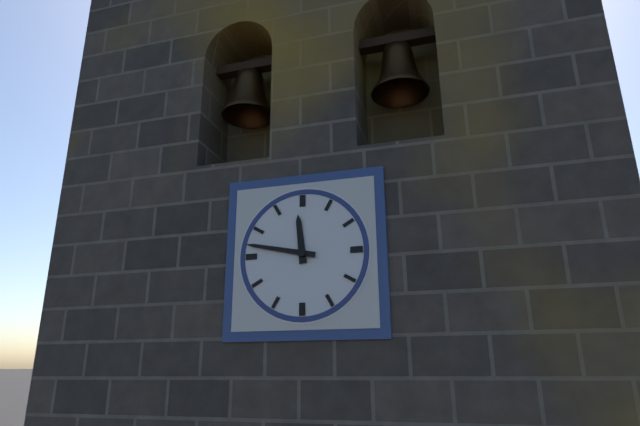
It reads 11,47
